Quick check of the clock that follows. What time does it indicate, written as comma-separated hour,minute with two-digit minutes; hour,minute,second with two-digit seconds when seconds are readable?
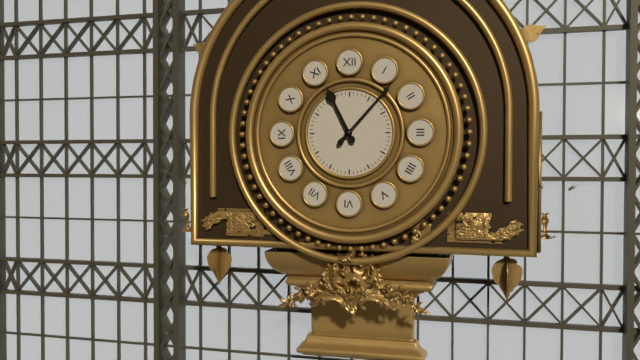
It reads 11,07
